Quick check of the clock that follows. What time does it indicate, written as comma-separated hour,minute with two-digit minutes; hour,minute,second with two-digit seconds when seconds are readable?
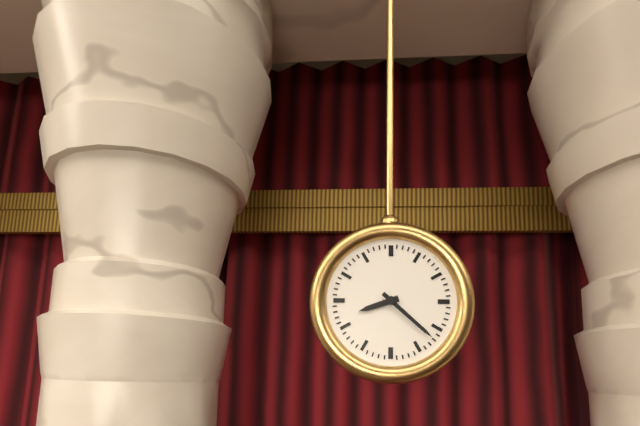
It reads 8,22
